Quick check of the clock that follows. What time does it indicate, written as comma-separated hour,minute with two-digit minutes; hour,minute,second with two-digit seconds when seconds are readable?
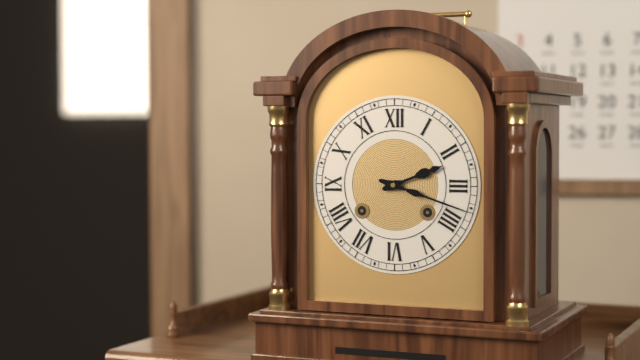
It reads 2,18
